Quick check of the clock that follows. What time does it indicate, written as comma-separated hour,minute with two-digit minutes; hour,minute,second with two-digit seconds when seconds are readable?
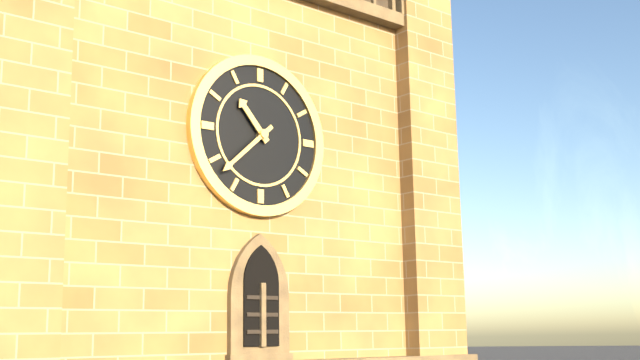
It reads 10,38
